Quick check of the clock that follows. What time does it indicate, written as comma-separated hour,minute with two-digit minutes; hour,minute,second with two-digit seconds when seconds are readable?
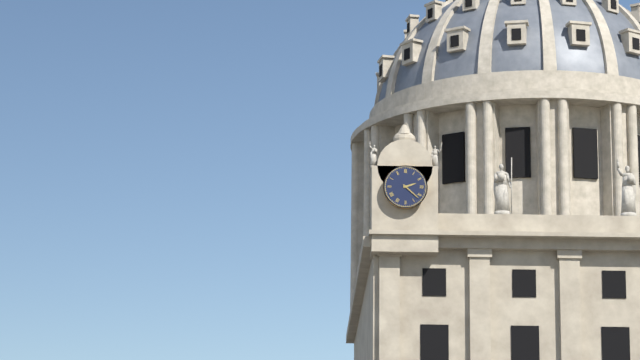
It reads 2,22
